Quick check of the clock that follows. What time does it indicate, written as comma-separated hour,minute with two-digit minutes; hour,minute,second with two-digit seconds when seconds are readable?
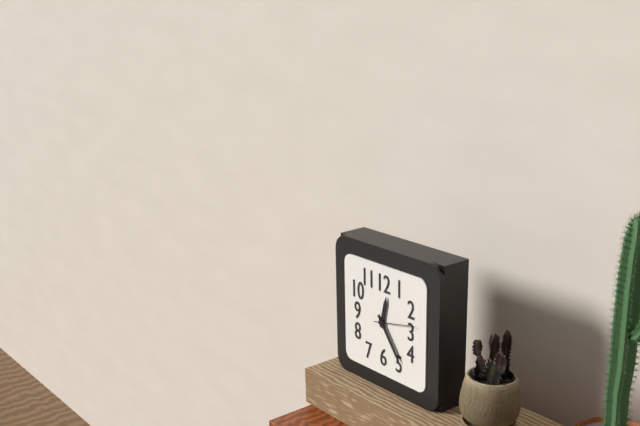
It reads 12,24
